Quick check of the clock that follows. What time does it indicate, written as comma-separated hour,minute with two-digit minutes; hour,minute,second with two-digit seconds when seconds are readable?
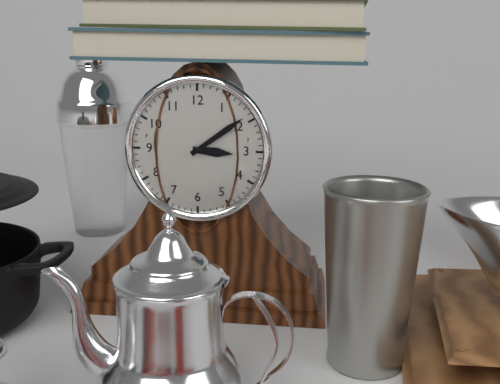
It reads 3,09
